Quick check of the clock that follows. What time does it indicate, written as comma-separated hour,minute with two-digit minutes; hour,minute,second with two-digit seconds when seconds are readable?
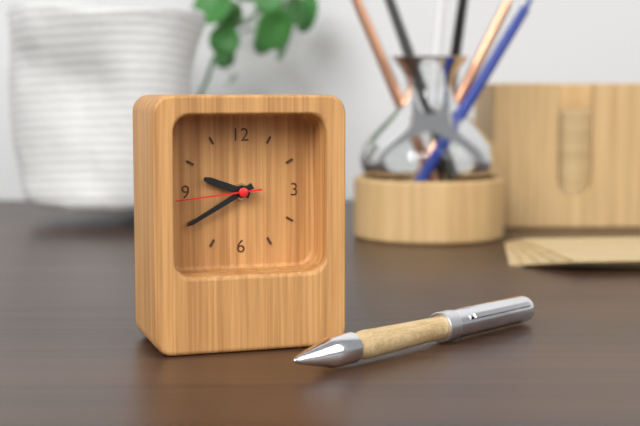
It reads 9,40,44
